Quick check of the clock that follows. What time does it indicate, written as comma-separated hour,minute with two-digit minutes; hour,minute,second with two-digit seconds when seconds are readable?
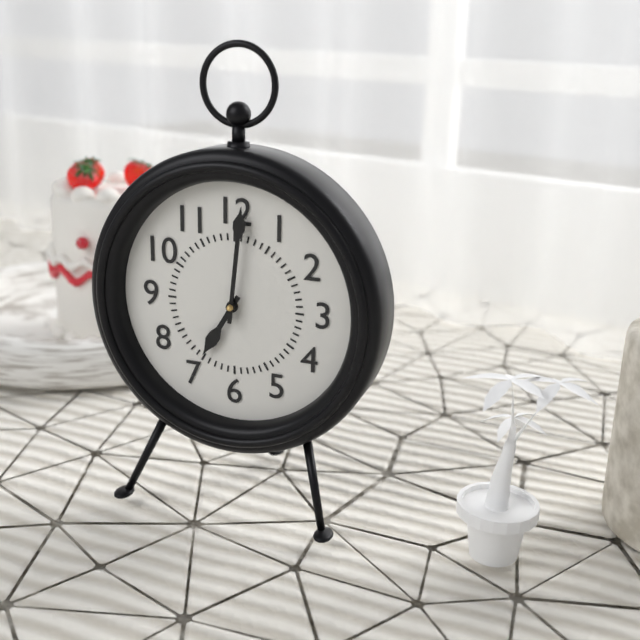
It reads 7,01
